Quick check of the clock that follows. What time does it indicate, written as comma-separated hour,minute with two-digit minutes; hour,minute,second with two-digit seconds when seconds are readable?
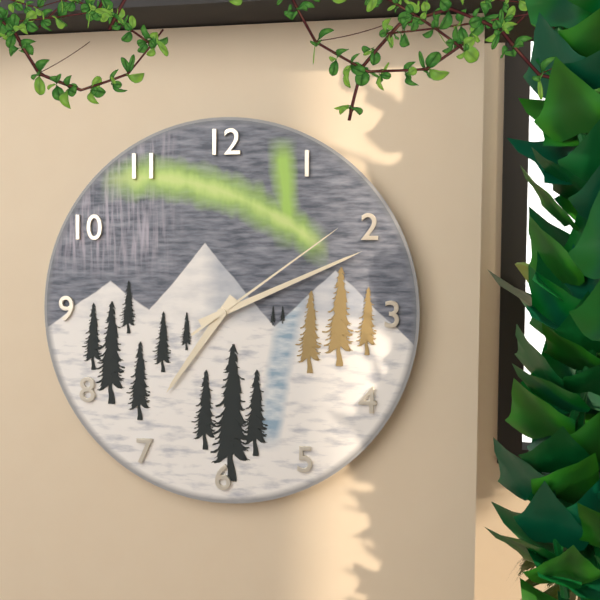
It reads 7,11,09
